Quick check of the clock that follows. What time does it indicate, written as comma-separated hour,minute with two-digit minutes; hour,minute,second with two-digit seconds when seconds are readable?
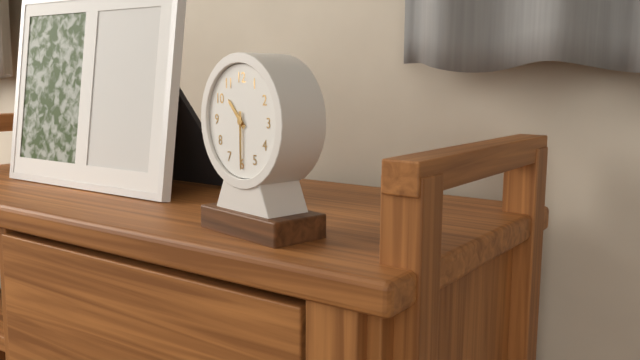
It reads 10,30
